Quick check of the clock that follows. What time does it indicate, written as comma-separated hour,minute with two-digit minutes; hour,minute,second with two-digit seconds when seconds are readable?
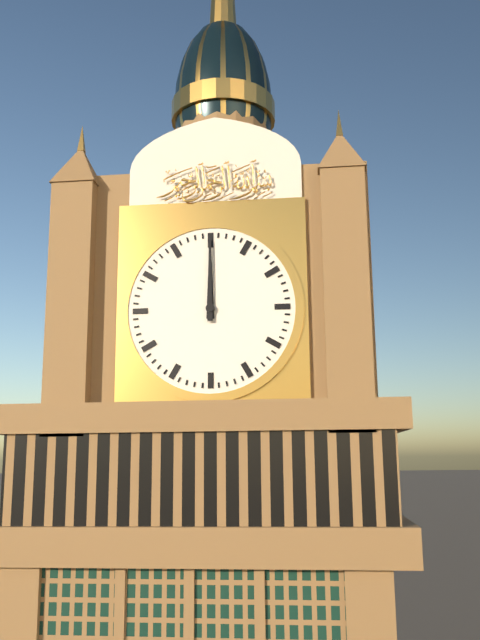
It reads 12,00
